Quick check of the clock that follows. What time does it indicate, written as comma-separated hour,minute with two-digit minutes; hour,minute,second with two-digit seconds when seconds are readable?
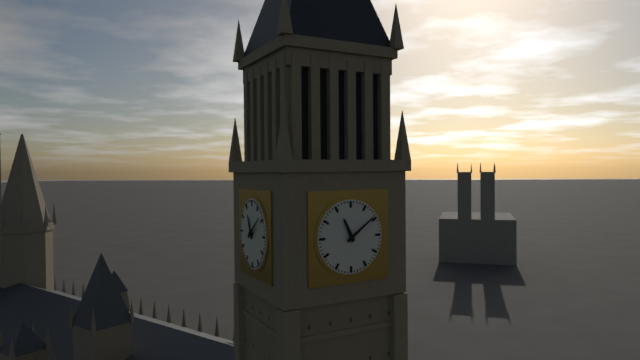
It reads 11,09
